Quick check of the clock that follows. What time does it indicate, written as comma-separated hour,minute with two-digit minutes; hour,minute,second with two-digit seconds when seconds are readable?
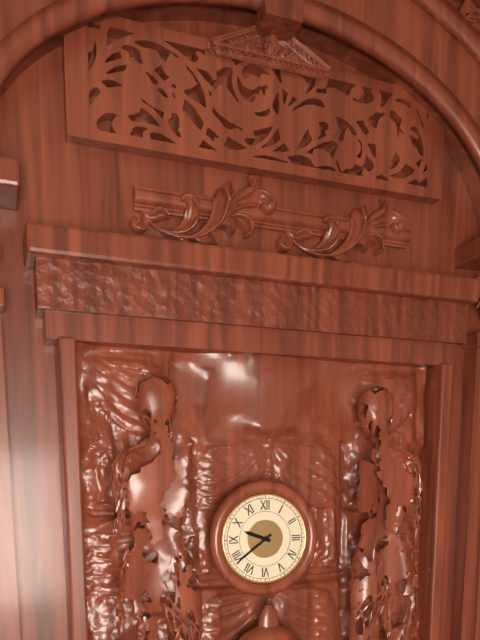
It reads 9,39
